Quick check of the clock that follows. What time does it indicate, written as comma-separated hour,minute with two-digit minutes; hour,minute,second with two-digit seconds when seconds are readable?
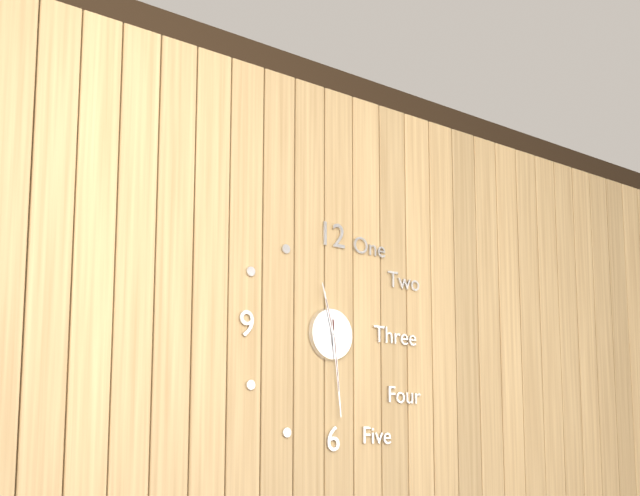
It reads 11,29
